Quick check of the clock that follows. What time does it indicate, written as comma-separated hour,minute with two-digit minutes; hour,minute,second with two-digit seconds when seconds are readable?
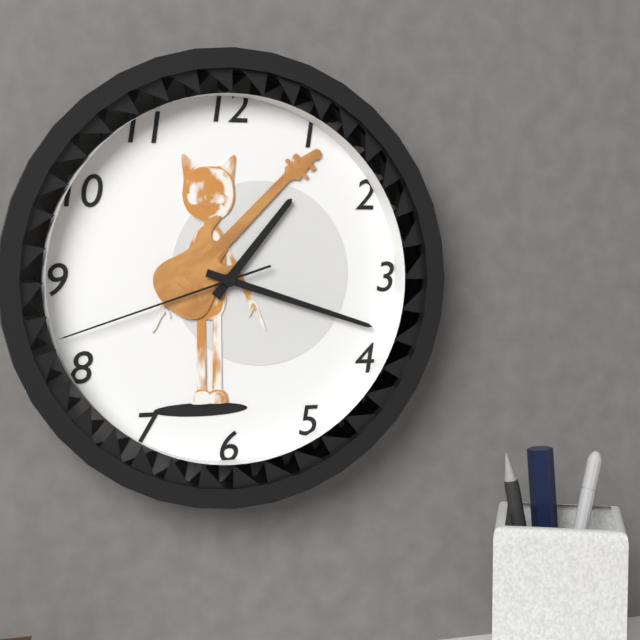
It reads 1,18,42
